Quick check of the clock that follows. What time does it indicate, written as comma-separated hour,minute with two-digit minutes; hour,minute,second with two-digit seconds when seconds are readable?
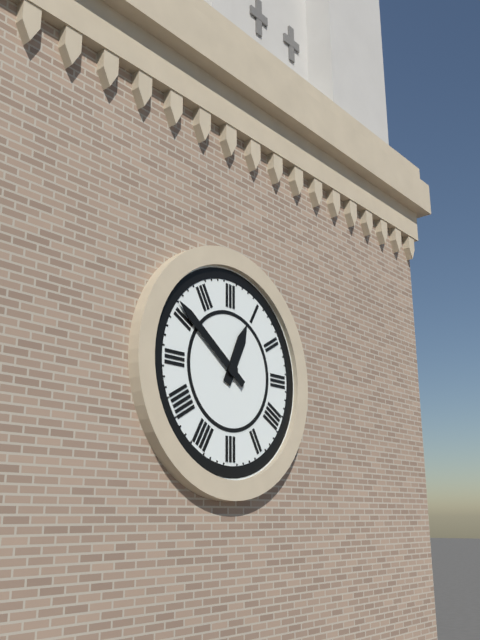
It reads 12,51
